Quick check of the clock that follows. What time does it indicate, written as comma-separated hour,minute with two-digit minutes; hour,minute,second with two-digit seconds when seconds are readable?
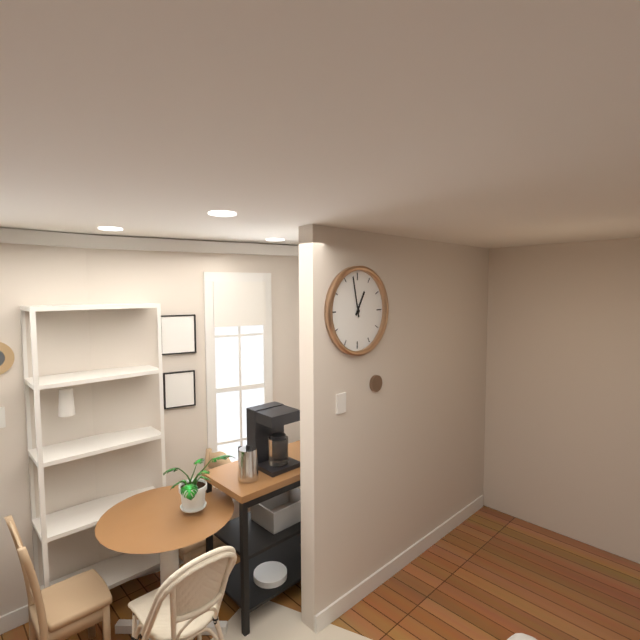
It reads 12,58
